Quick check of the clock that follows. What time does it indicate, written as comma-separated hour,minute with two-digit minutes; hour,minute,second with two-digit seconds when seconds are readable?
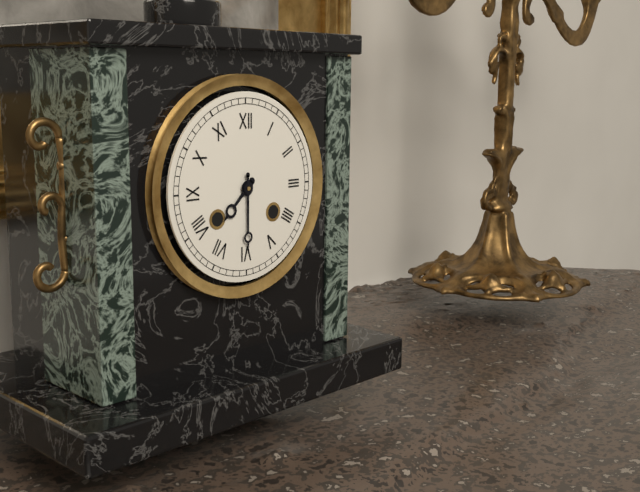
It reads 7,30
